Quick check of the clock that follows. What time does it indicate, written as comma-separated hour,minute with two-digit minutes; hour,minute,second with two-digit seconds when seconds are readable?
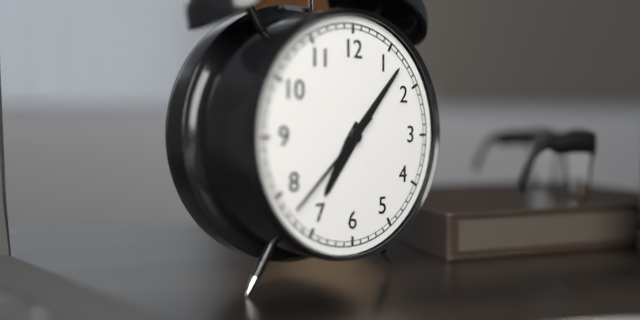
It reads 7,07,38
